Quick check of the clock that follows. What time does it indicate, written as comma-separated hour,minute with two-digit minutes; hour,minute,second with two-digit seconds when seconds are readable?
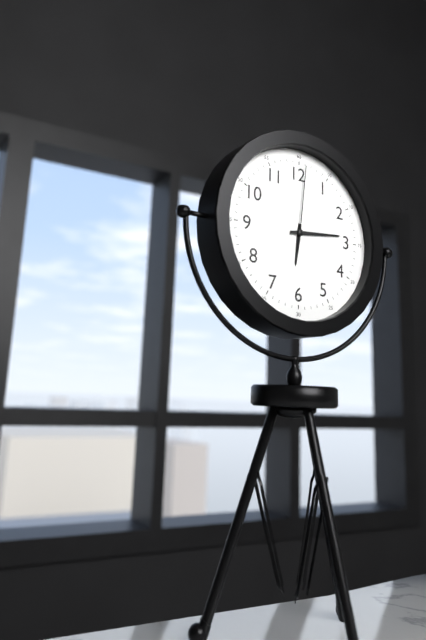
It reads 6,14,01
